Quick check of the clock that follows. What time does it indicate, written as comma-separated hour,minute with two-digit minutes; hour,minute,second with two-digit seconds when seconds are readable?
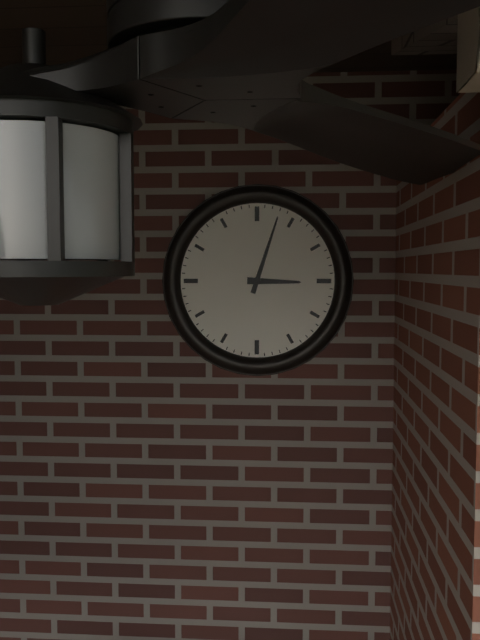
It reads 3,03
